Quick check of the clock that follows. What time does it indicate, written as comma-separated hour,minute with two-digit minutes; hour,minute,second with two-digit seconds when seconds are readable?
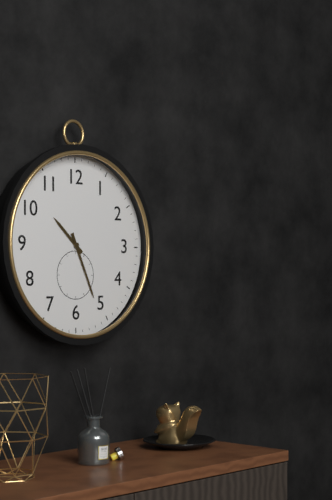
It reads 10,26
